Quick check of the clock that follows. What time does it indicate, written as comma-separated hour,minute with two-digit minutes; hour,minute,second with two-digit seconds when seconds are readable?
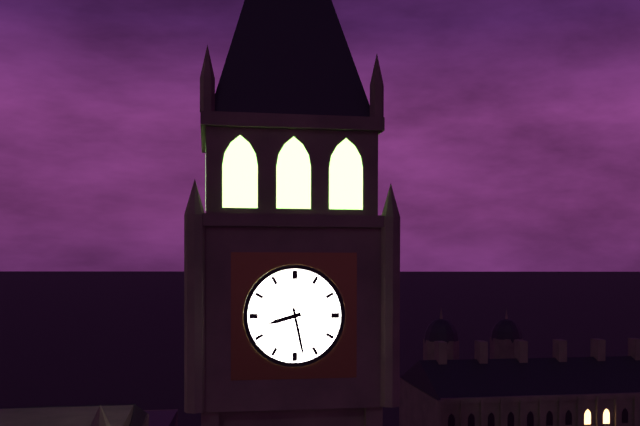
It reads 8,28
